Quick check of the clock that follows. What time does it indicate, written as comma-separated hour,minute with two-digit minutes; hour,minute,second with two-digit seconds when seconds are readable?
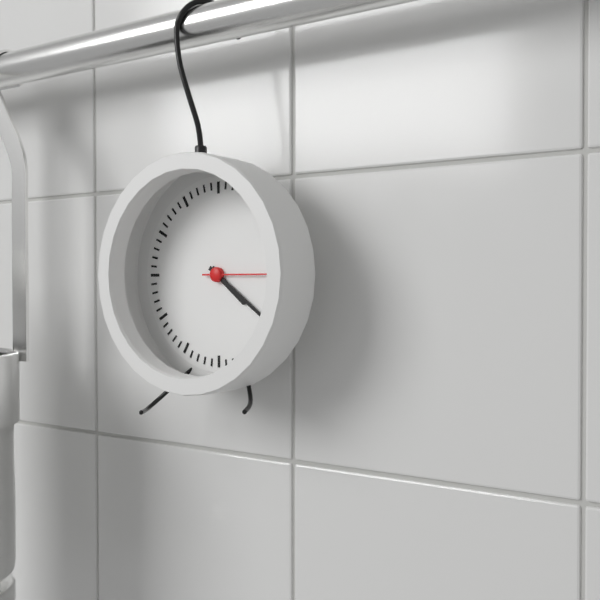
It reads 4,21,15
